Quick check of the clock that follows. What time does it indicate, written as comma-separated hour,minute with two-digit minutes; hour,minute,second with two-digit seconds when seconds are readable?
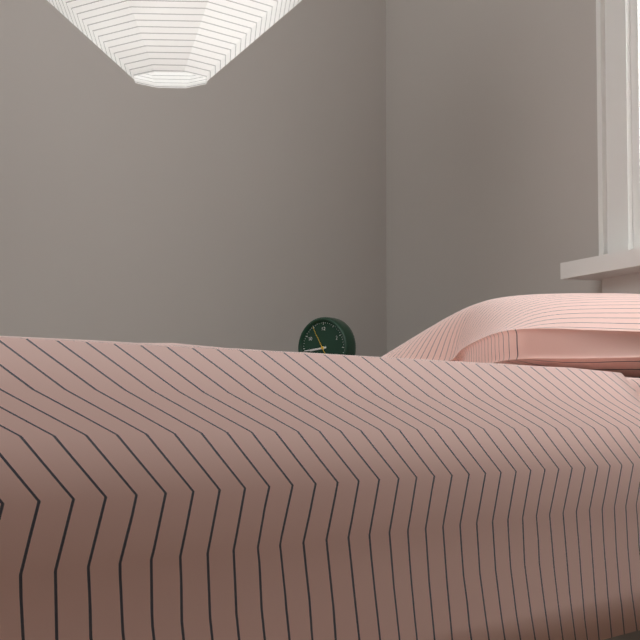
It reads 8,44
